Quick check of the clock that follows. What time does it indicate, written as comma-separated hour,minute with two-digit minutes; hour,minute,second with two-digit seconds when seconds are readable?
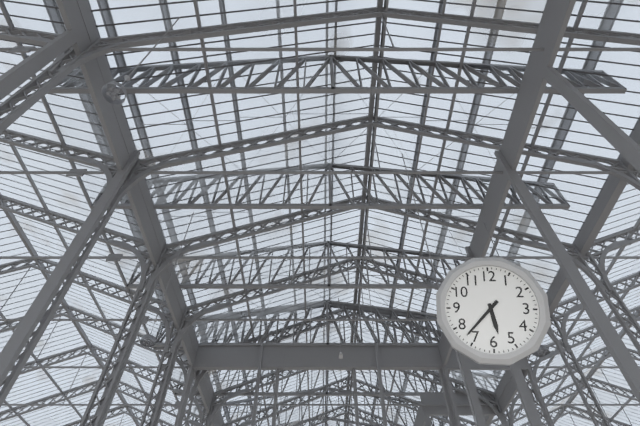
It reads 5,37
